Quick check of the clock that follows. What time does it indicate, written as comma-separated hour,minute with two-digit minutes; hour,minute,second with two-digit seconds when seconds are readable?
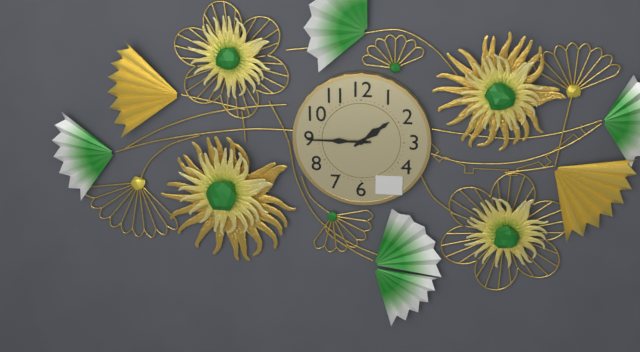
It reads 1,45
